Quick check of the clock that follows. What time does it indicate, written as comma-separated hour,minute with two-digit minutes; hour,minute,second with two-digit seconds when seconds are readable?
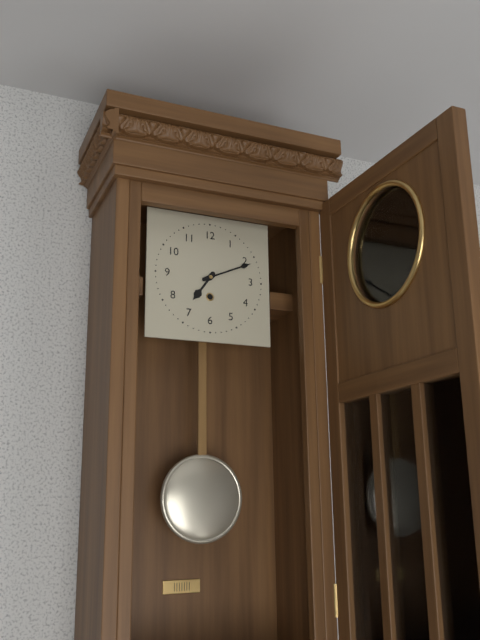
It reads 7,11
